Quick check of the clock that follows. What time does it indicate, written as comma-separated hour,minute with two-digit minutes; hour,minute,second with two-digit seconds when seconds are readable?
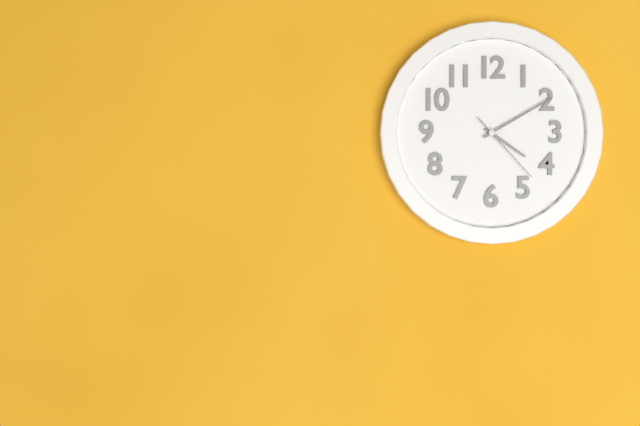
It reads 4,10,23
